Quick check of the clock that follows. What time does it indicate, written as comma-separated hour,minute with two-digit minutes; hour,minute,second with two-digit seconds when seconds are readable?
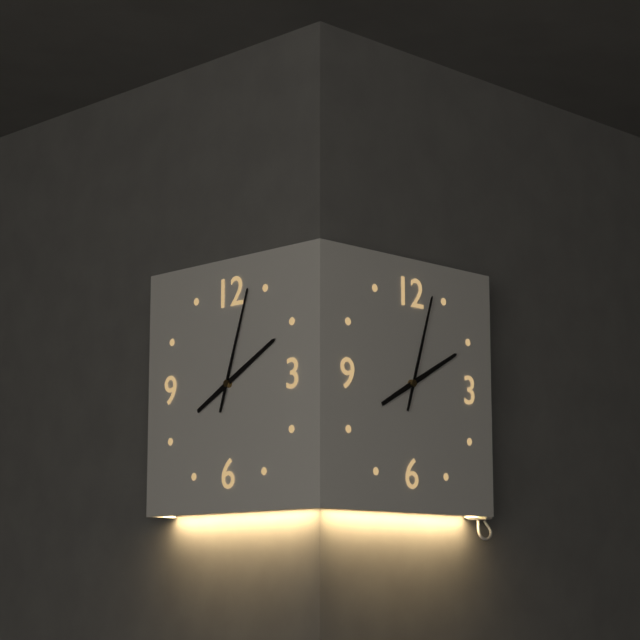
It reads 2,03
